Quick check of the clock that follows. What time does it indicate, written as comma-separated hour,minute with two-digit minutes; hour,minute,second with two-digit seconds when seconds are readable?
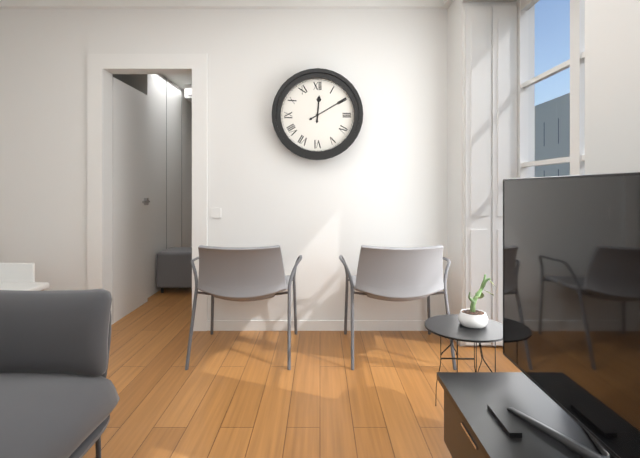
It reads 12,10
